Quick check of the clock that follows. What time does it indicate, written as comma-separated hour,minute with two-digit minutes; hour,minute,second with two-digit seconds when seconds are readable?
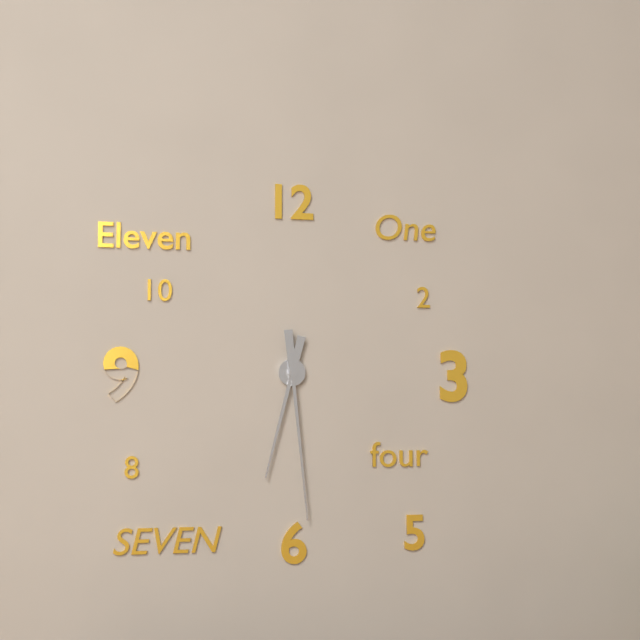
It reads 6,29
